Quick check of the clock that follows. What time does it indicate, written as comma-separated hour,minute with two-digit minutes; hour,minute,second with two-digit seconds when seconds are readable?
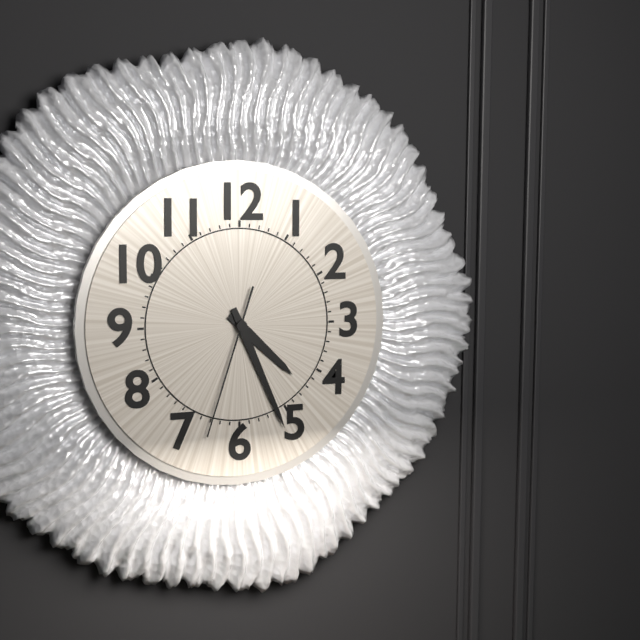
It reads 4,26,33
